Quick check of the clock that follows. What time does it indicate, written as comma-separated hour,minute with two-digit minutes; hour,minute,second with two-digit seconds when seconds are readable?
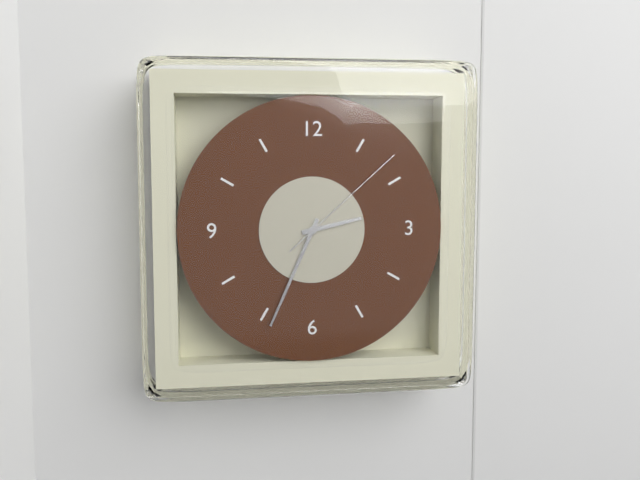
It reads 2,34,08
